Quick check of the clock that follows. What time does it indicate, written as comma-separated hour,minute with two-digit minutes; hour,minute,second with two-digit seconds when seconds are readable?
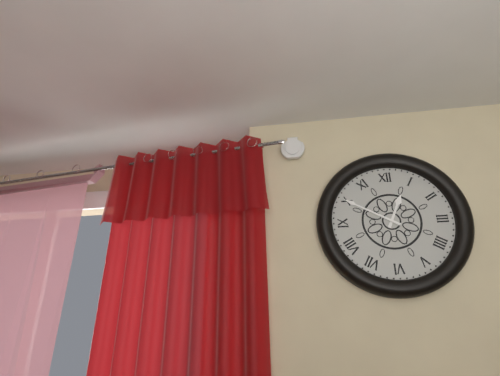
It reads 12,50
